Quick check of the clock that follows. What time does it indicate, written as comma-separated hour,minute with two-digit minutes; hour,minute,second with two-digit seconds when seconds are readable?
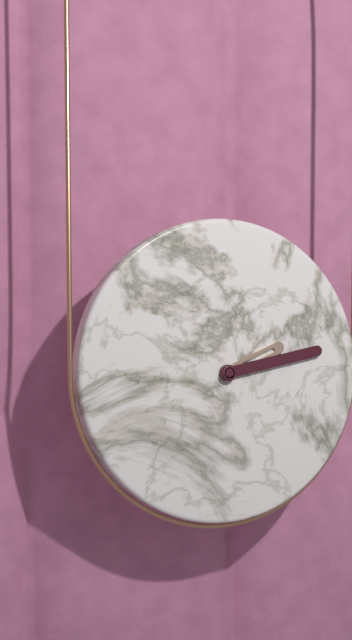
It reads 2,13
